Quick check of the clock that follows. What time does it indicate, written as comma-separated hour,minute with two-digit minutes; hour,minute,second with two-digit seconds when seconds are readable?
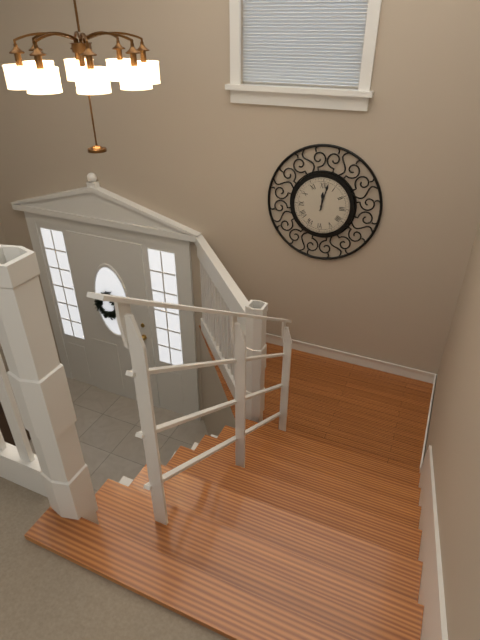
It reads 12,02
